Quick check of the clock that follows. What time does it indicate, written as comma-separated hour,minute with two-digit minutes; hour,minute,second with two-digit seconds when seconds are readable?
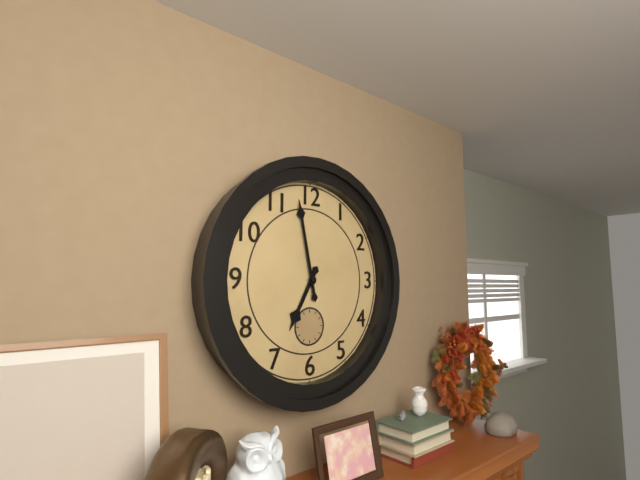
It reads 6,58
